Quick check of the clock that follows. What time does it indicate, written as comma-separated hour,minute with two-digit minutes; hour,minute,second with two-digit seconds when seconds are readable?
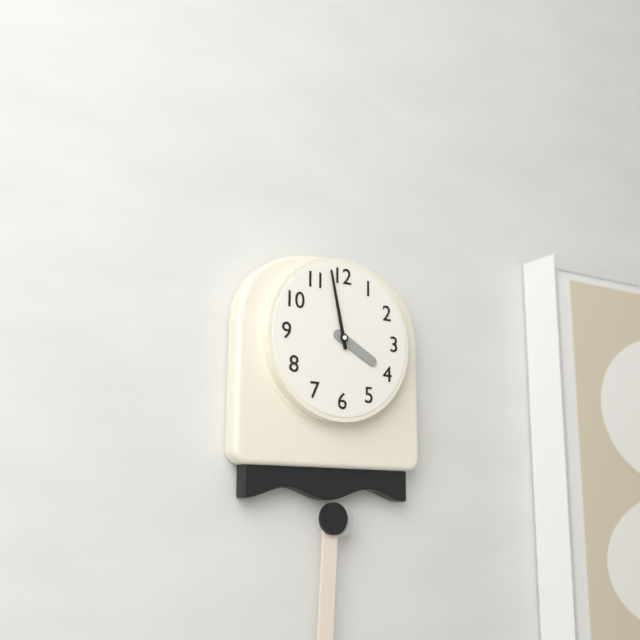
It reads 3,58
